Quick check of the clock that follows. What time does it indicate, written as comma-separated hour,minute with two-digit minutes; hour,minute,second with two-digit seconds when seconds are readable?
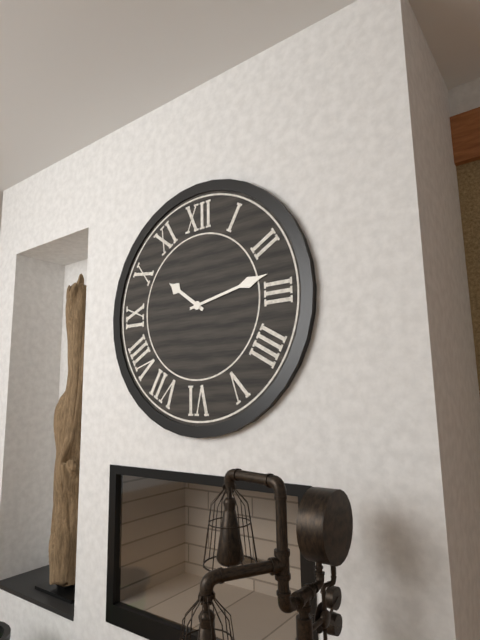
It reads 10,13
